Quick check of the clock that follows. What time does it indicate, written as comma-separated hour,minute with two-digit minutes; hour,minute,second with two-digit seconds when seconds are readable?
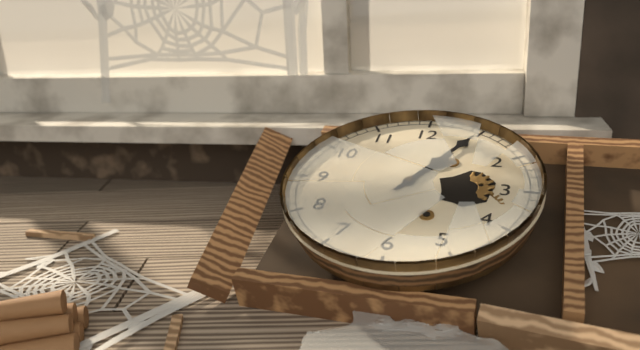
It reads 1,05
